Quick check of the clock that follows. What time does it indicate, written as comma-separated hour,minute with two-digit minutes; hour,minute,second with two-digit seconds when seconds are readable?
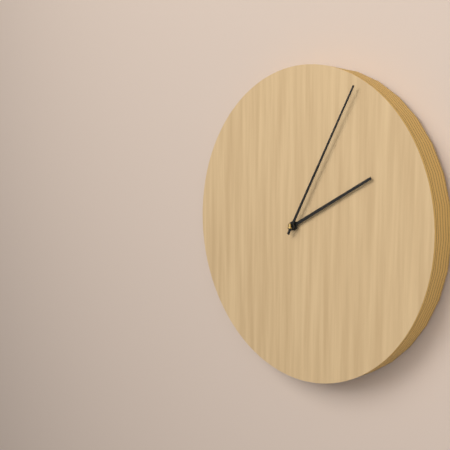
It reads 2,05
